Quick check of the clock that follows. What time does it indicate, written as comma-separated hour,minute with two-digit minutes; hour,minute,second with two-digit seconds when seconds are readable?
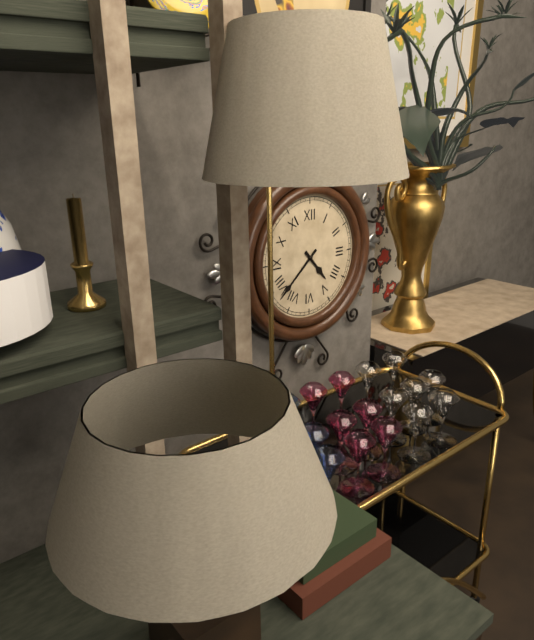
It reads 4,38
